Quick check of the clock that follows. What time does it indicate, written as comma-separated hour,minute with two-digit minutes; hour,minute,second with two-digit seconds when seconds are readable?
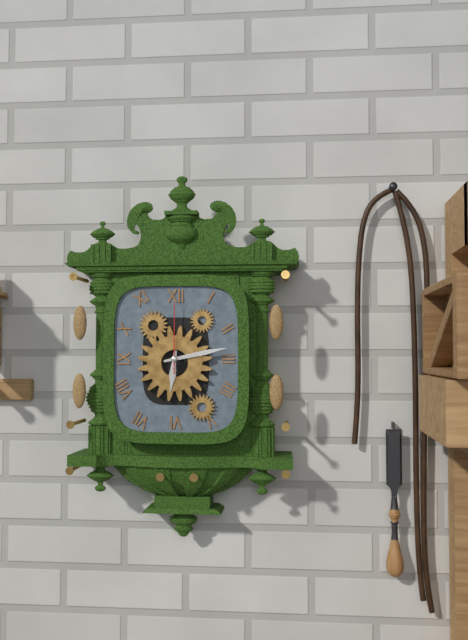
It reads 6,13,00
